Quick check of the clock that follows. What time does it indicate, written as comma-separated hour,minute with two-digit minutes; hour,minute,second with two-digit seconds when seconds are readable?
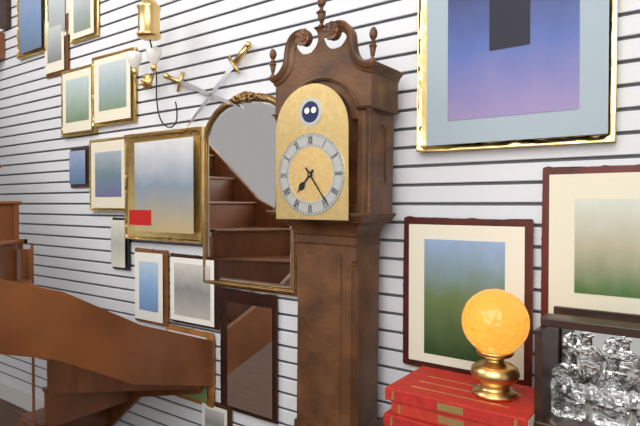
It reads 7,24
